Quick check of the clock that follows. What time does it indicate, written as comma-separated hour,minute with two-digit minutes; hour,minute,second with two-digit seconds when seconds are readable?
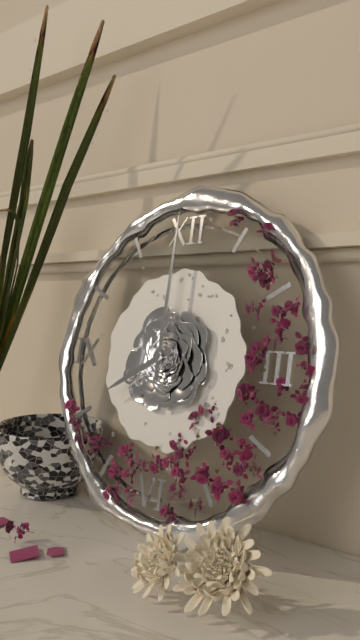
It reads 8,00
